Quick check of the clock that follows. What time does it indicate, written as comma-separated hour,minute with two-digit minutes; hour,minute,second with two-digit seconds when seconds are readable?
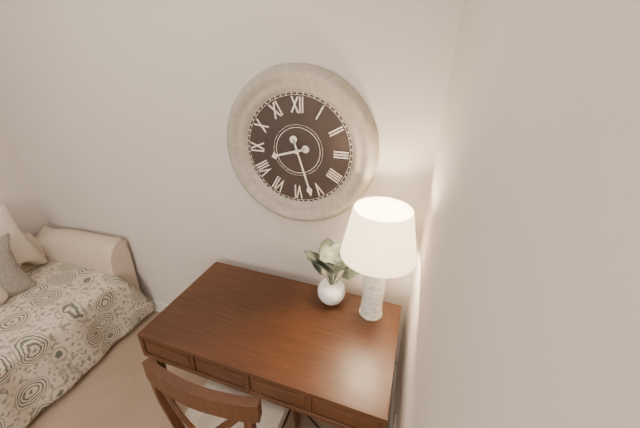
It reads 8,27
